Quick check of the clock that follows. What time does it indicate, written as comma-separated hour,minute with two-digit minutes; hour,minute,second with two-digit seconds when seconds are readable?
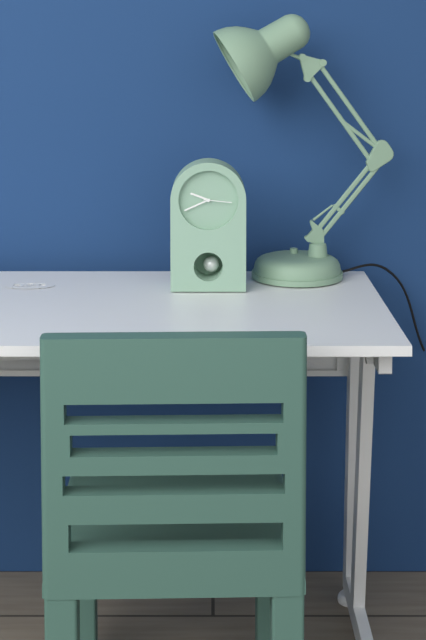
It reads 9,41
